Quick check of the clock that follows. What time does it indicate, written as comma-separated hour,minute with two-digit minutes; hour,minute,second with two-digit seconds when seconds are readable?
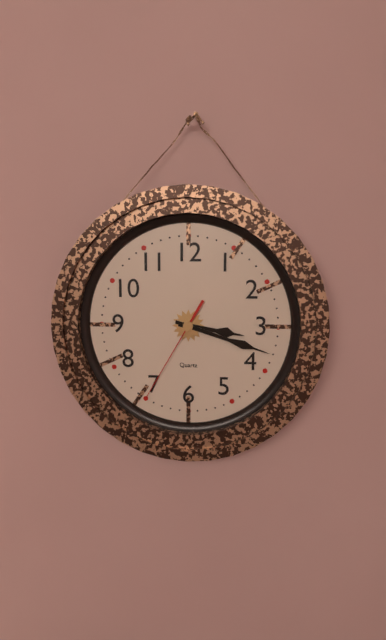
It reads 3,18,35
